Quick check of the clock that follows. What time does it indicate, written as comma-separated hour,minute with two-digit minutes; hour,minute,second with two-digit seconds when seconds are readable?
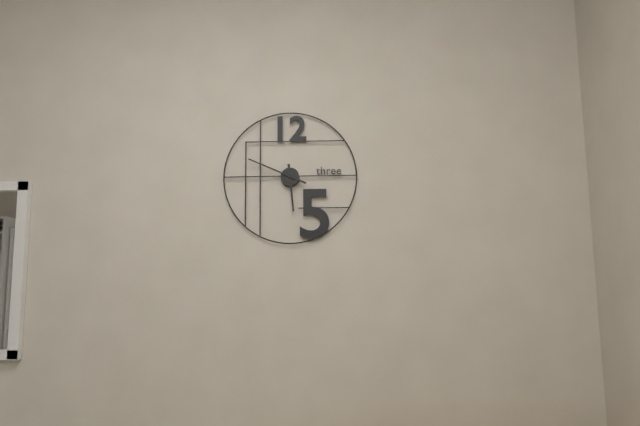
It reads 5,49
